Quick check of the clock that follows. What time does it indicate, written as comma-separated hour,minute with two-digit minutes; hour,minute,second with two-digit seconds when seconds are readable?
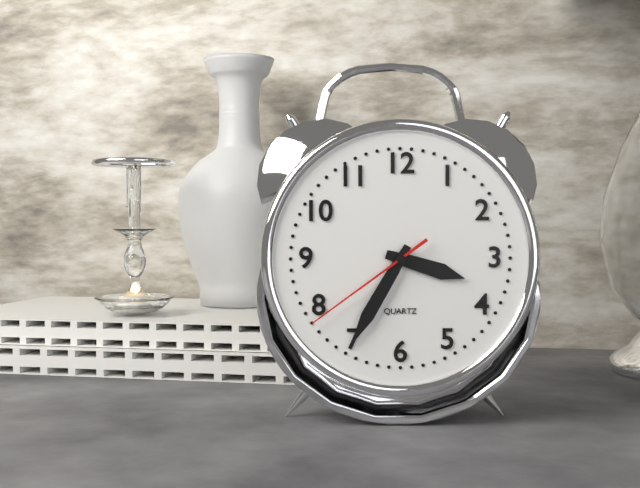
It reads 3,35,39
